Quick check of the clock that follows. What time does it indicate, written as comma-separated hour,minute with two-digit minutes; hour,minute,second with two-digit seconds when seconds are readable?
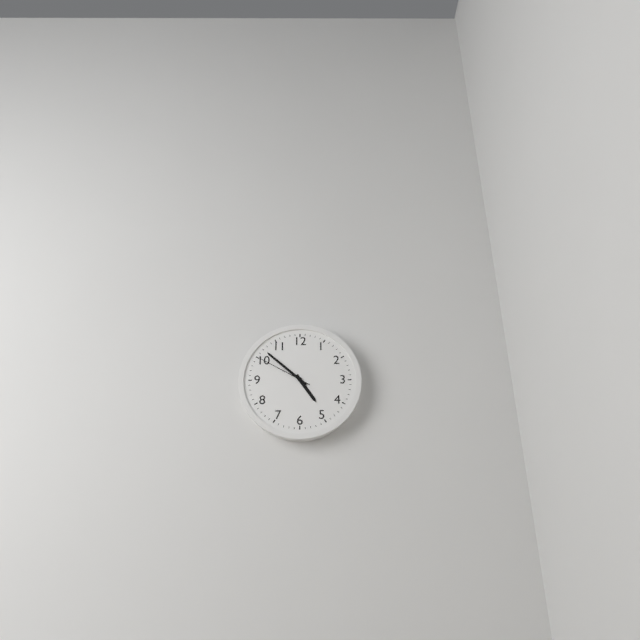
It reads 4,52,50
